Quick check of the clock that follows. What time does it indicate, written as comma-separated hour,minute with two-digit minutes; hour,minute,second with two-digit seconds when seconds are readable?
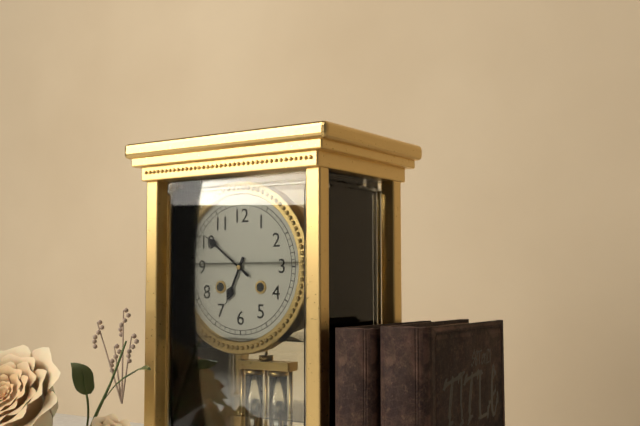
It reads 6,51
